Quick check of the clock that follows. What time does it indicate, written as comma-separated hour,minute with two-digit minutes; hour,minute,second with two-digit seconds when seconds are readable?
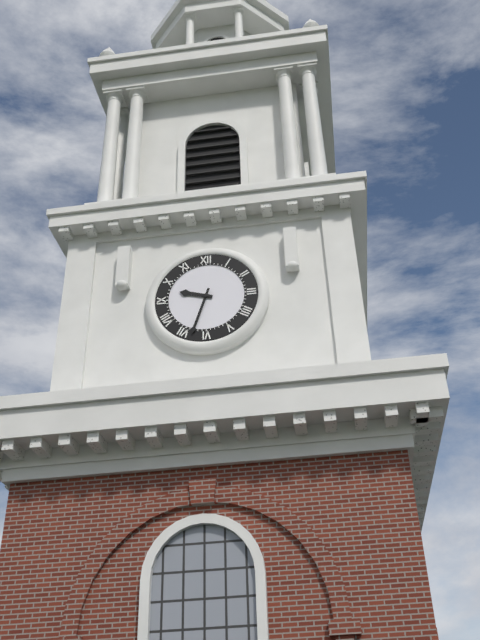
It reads 9,33
